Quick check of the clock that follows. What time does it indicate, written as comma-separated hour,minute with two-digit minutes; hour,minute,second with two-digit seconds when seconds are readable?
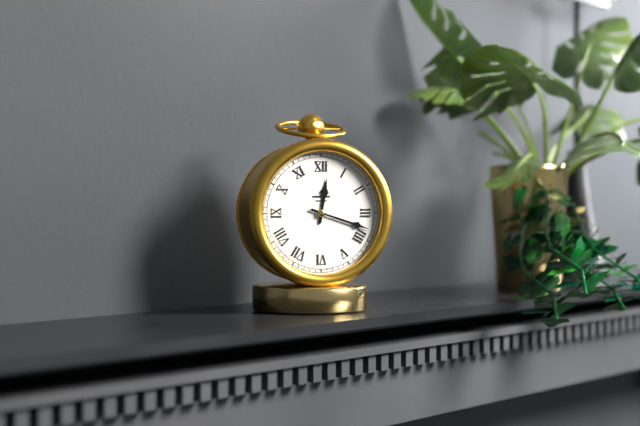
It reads 12,18
